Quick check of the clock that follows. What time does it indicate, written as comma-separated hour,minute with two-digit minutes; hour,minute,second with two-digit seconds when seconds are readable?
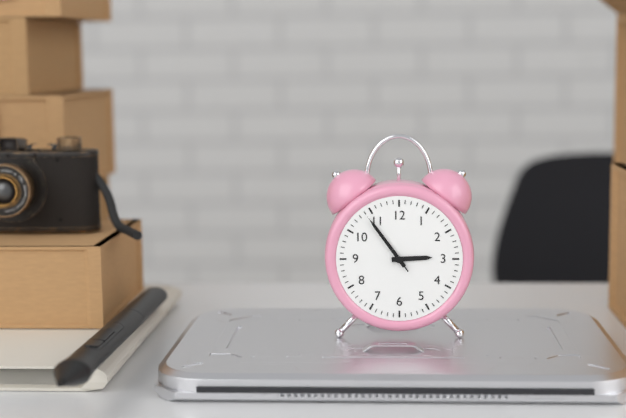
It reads 2,54,54
